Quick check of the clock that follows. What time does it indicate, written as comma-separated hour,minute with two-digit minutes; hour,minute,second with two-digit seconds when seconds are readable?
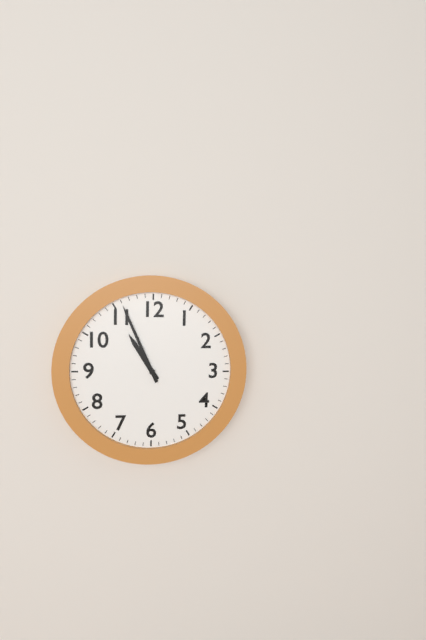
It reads 10,56
